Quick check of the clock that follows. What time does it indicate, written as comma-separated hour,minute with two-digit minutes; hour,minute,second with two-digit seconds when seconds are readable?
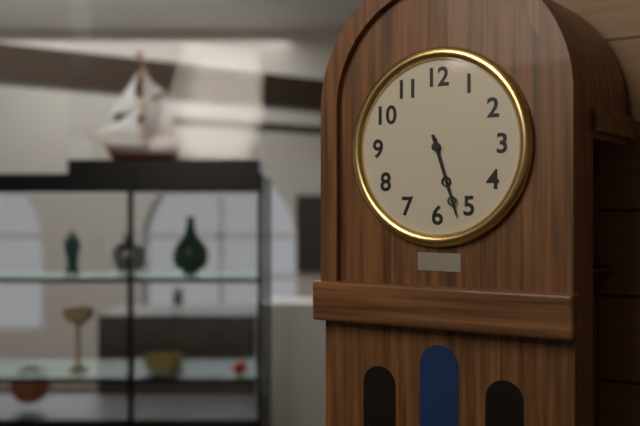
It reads 5,27
